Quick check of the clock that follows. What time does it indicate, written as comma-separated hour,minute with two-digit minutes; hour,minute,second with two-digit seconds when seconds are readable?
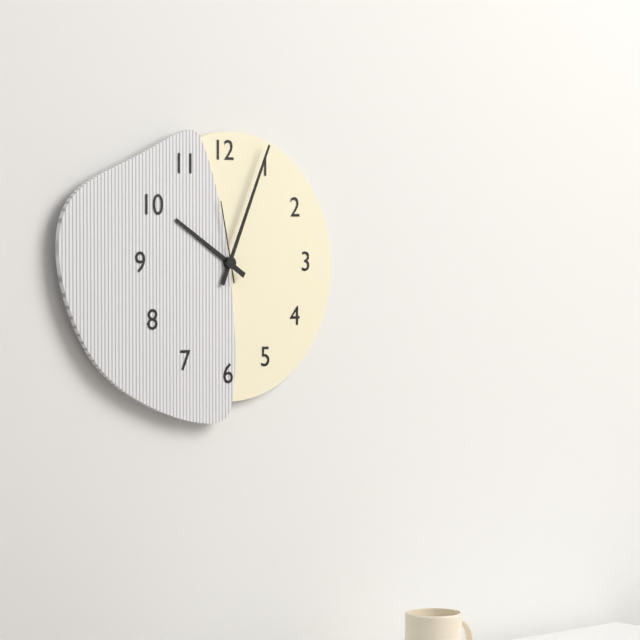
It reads 10,04,58
